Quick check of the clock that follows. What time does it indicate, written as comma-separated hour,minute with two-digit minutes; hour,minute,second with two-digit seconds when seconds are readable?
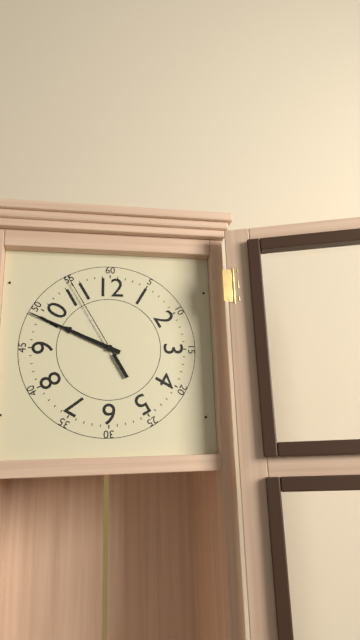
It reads 9,49,55
